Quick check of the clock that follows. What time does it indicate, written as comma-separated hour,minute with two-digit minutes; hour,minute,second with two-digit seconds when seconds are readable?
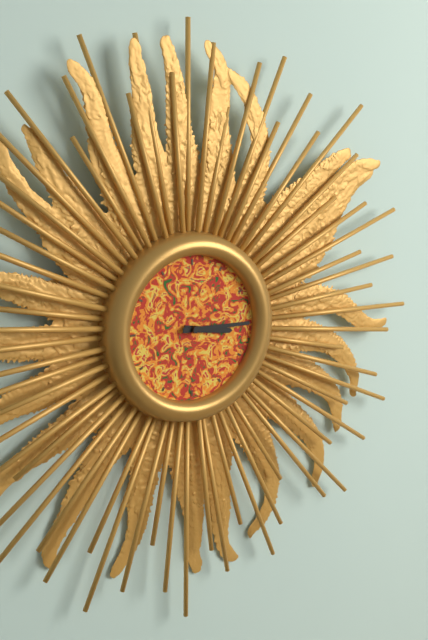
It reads 3,15
